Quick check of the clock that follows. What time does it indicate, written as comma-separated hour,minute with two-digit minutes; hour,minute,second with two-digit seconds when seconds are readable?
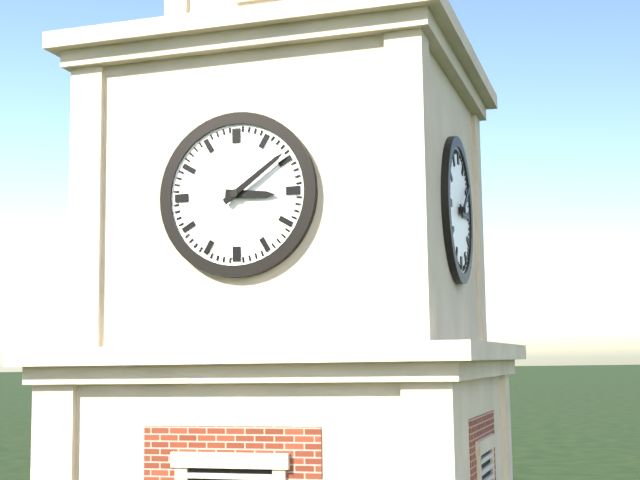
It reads 3,09
